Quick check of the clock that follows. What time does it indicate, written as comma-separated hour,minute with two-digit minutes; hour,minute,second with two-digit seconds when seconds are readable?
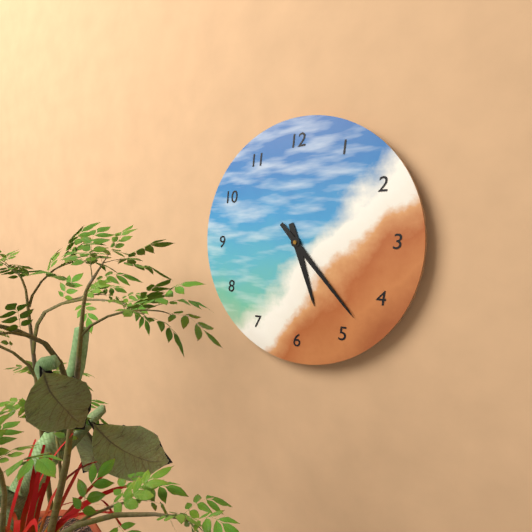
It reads 5,23
